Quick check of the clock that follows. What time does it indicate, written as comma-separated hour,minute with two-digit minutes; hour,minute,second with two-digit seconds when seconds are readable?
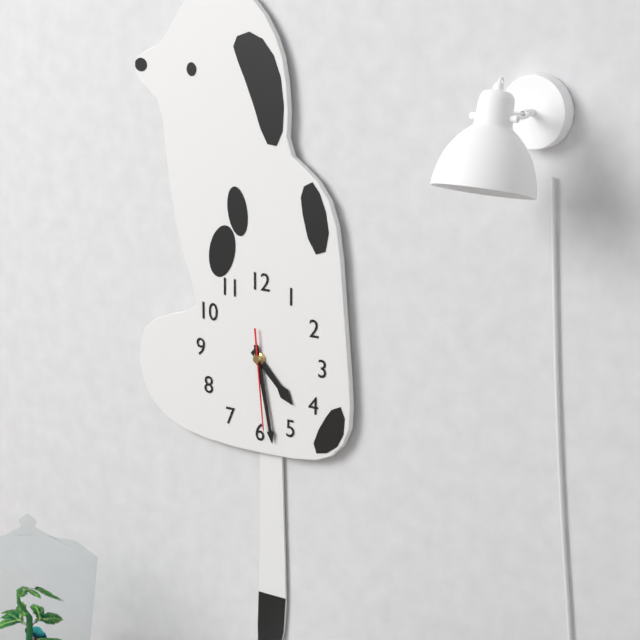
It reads 4,28,29
